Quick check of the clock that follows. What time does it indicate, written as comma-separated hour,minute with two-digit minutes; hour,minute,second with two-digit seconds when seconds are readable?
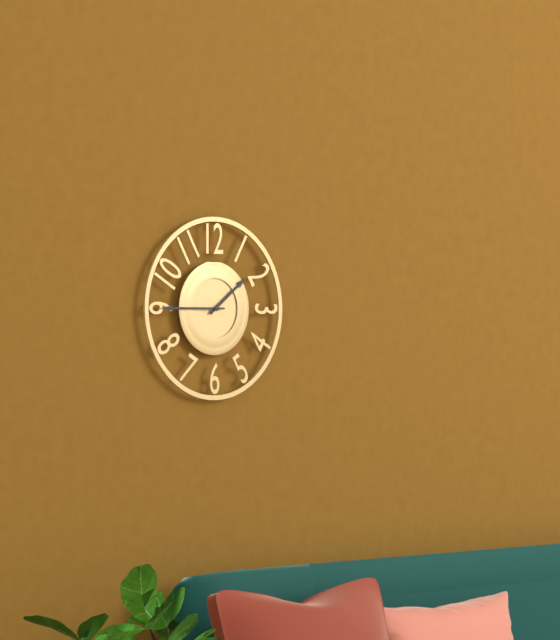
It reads 1,45
